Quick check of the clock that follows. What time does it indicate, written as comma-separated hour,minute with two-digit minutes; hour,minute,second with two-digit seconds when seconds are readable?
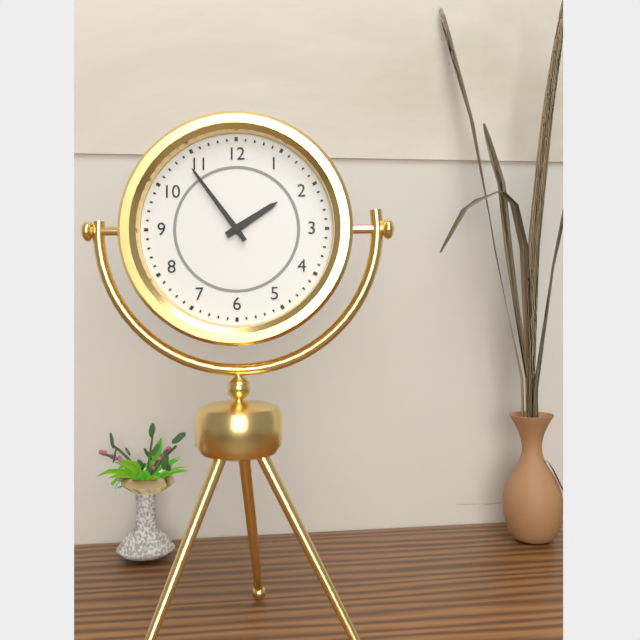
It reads 1,54
